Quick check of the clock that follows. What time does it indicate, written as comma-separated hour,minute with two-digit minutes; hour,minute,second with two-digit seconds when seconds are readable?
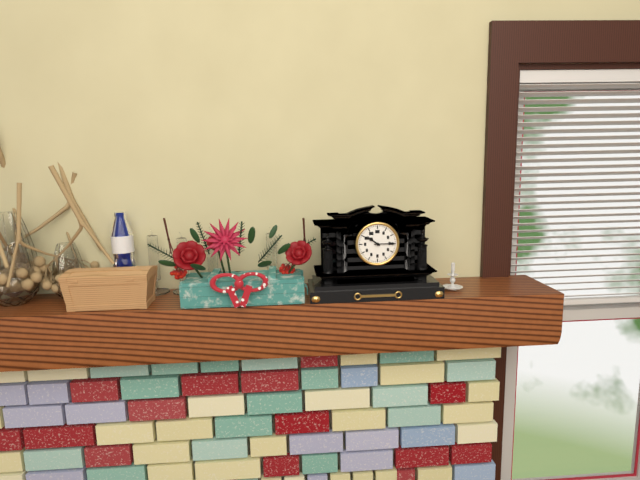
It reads 10,15
